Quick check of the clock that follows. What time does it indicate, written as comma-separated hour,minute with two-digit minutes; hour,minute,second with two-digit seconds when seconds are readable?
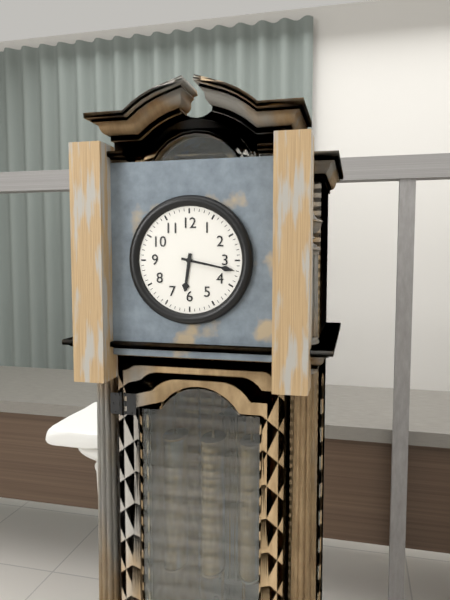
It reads 6,17
